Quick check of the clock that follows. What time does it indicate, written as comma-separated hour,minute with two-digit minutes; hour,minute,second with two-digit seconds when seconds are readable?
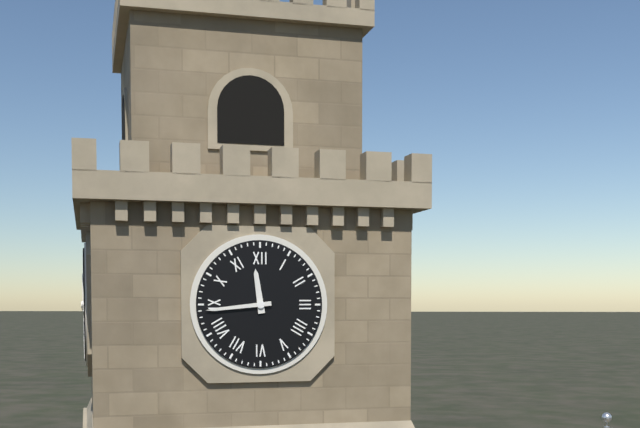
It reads 11,44
